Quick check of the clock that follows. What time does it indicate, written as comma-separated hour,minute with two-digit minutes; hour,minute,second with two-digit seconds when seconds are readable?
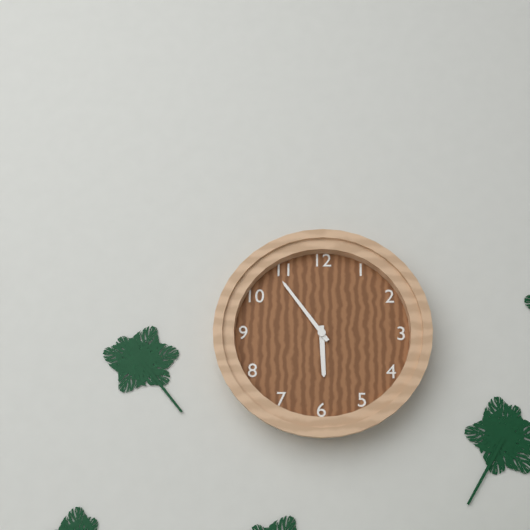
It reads 5,54
